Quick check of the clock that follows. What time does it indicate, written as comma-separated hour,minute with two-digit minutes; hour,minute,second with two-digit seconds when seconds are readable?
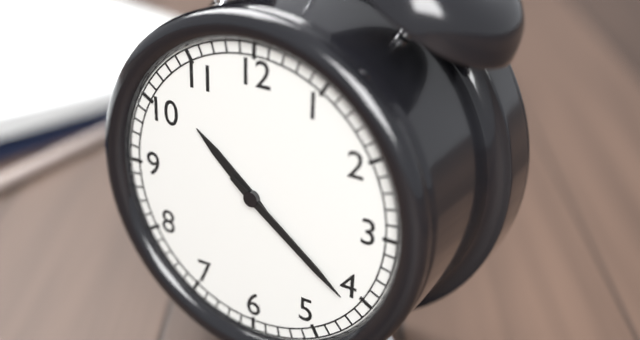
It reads 10,21
